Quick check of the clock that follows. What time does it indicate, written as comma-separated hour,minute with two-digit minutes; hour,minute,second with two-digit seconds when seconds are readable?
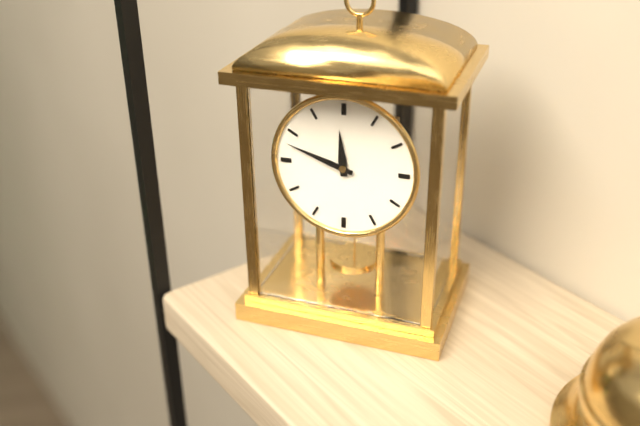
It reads 11,48
